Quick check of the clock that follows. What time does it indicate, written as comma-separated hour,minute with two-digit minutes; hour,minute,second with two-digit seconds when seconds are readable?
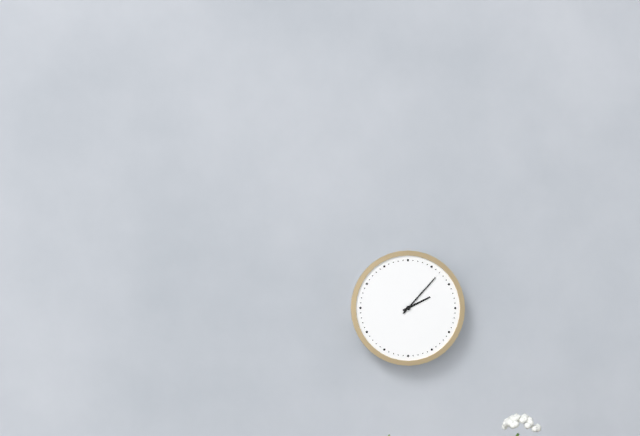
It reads 2,07
